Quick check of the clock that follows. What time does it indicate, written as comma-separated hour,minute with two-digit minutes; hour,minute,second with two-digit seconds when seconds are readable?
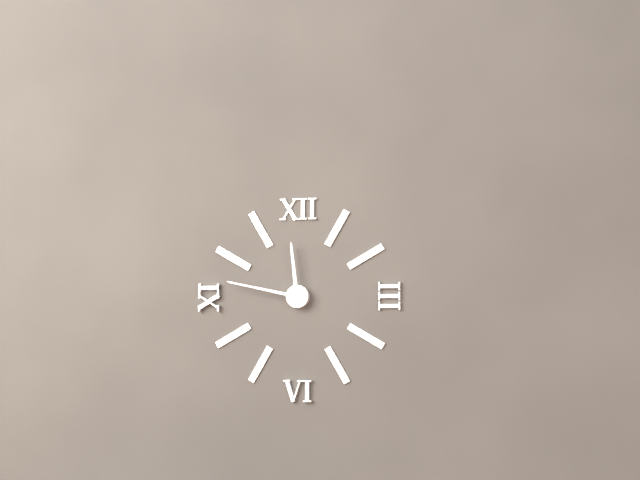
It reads 11,47
